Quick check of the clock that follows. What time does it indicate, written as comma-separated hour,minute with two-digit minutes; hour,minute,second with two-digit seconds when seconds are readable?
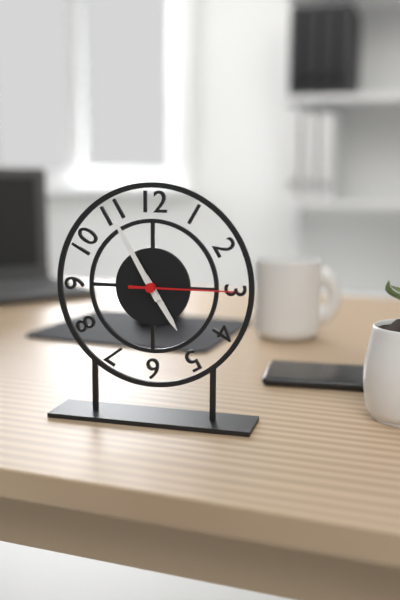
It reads 4,55,15
